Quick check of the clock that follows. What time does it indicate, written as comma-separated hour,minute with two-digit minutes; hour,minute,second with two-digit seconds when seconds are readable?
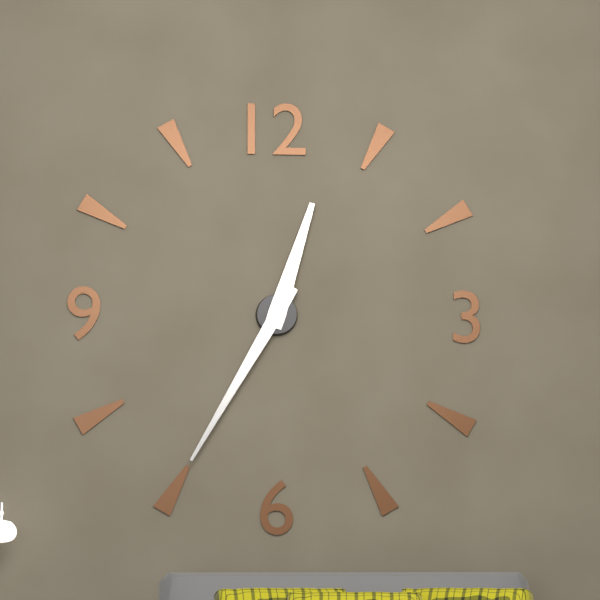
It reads 12,35
